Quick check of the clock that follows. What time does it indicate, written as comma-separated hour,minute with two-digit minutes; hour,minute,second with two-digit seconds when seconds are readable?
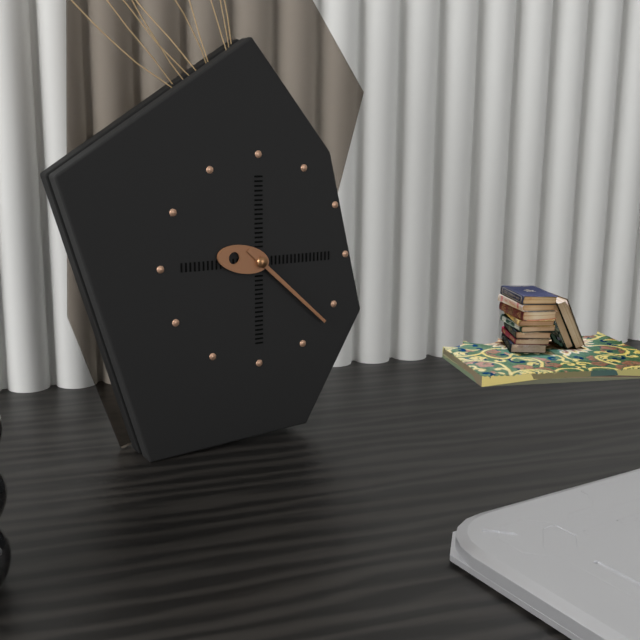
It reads 9,22
